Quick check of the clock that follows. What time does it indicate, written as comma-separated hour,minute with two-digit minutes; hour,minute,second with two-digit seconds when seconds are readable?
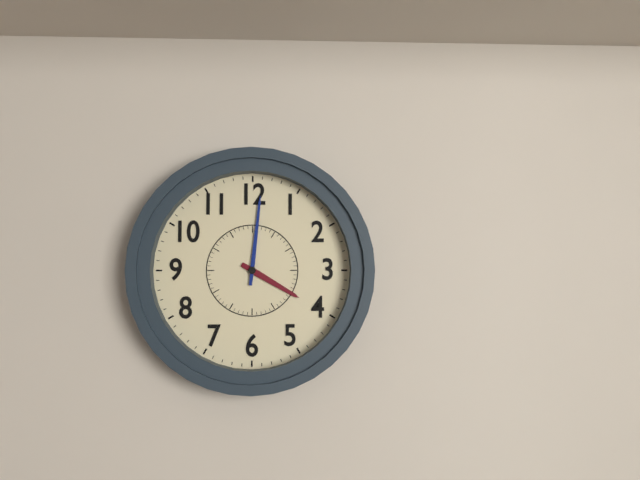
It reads 4,01
